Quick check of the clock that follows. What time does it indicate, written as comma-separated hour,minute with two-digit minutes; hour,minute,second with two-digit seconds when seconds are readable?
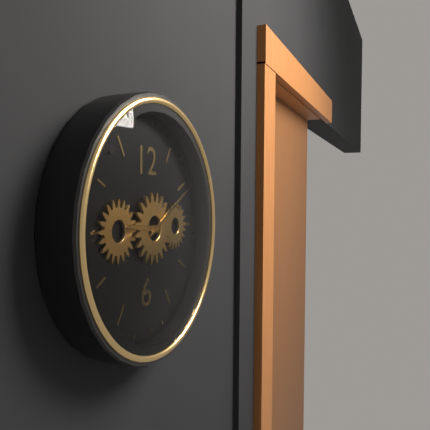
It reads 9,10
